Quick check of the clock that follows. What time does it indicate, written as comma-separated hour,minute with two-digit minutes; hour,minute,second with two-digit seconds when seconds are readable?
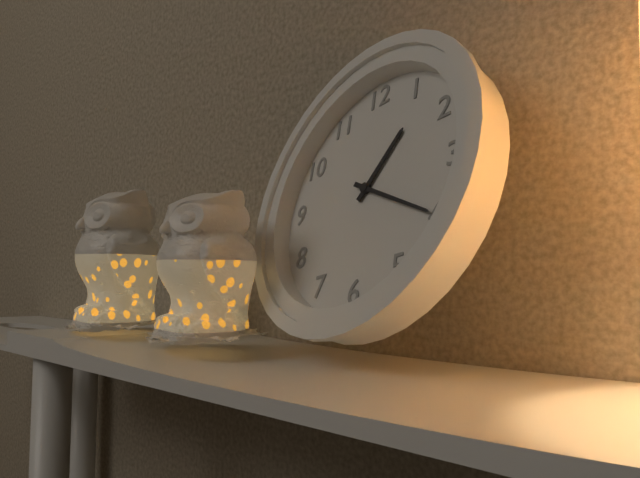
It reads 1,20
